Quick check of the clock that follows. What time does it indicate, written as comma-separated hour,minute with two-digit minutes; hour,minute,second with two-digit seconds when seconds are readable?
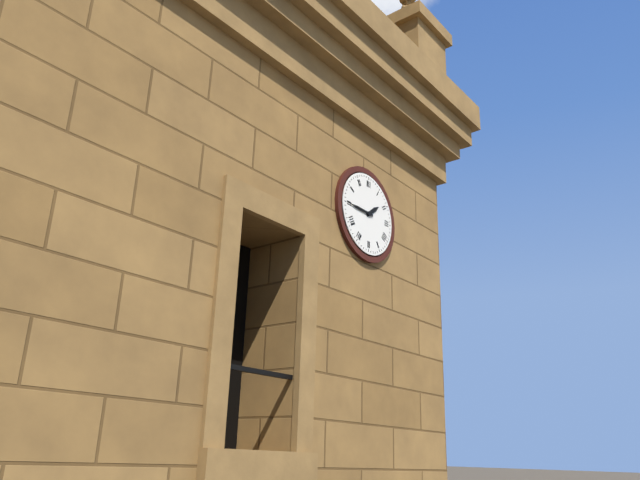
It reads 1,45
